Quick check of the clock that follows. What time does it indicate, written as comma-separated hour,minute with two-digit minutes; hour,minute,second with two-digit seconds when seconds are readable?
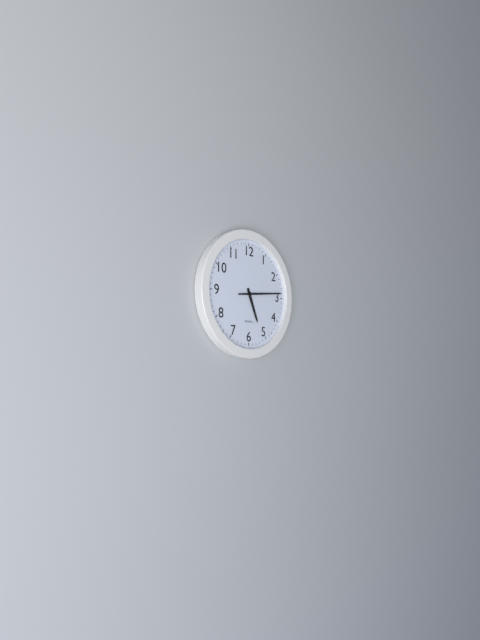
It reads 5,14
